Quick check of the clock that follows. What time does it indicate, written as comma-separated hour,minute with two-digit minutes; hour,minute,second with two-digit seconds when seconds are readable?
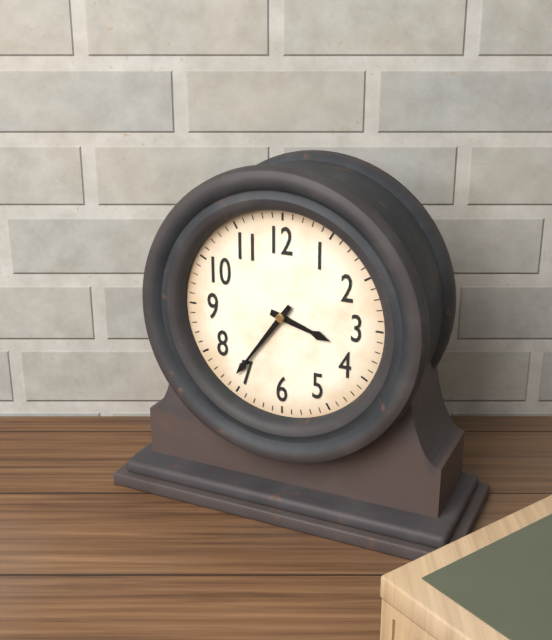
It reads 3,36
